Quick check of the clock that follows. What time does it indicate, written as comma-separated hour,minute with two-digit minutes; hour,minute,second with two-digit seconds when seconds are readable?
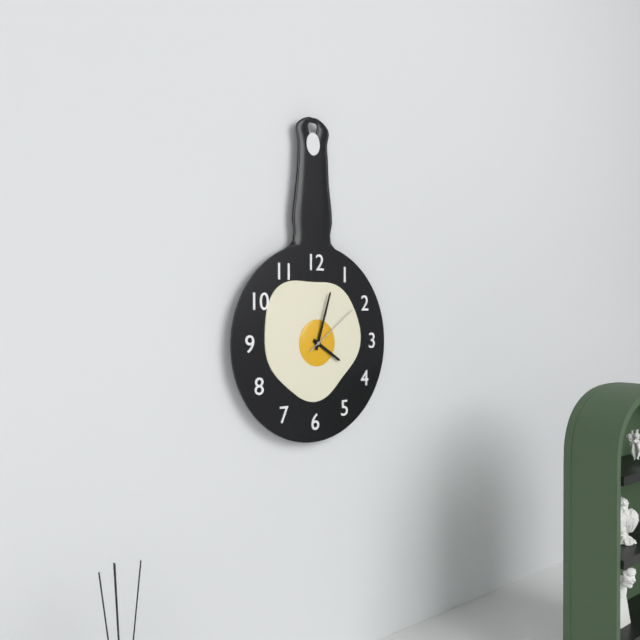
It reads 4,03,09
